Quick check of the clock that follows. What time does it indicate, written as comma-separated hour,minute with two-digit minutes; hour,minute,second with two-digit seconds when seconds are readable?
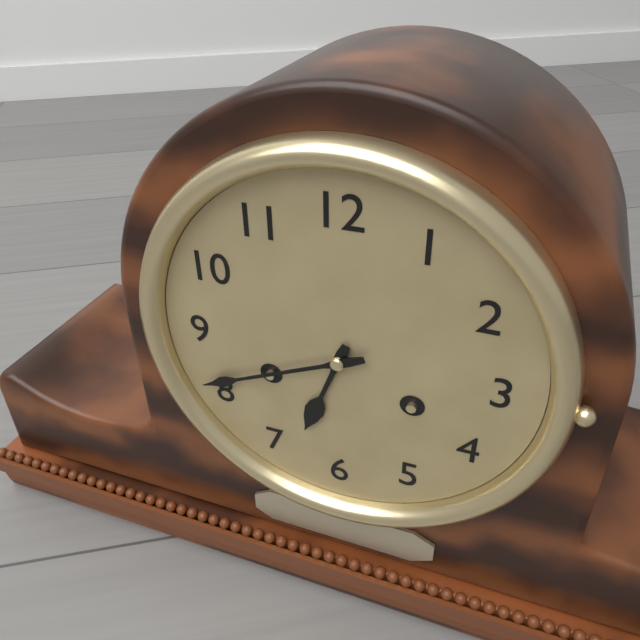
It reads 6,41
